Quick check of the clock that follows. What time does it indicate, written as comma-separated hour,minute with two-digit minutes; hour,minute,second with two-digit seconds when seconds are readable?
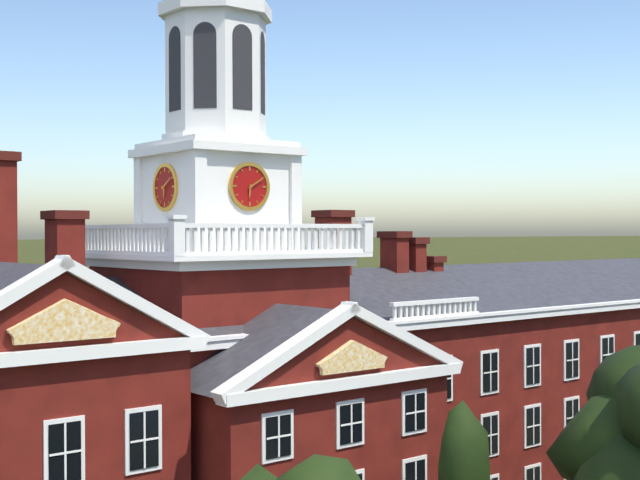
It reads 6,10
